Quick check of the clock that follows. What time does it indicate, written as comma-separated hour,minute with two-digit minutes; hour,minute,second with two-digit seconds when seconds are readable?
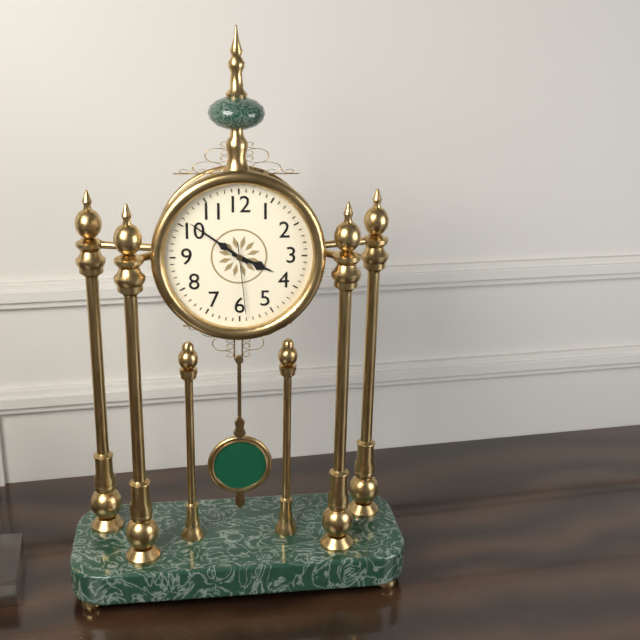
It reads 3,51,29
